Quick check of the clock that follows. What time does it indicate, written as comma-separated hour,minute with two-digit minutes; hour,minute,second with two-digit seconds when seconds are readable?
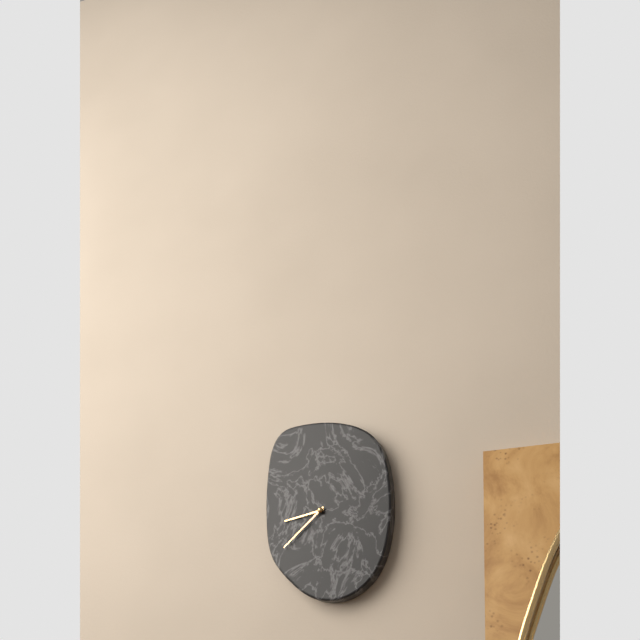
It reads 8,38
